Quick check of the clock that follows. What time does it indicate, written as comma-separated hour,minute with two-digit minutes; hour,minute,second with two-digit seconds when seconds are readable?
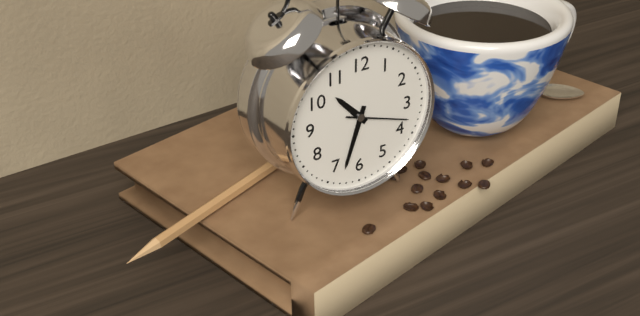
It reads 10,33,18
